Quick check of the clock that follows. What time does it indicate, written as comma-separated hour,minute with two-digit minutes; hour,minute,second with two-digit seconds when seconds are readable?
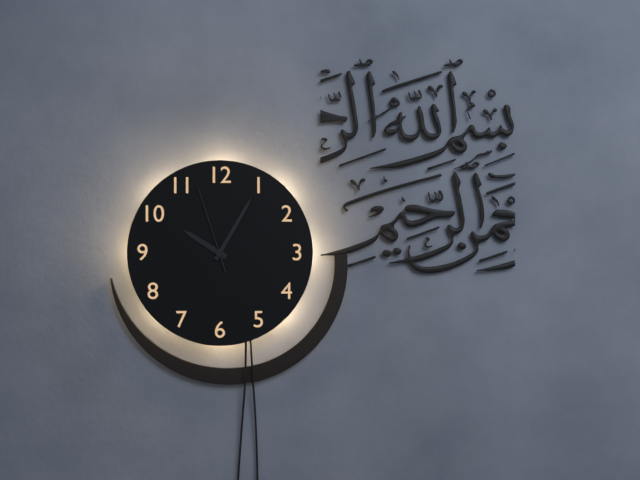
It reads 10,05,57
